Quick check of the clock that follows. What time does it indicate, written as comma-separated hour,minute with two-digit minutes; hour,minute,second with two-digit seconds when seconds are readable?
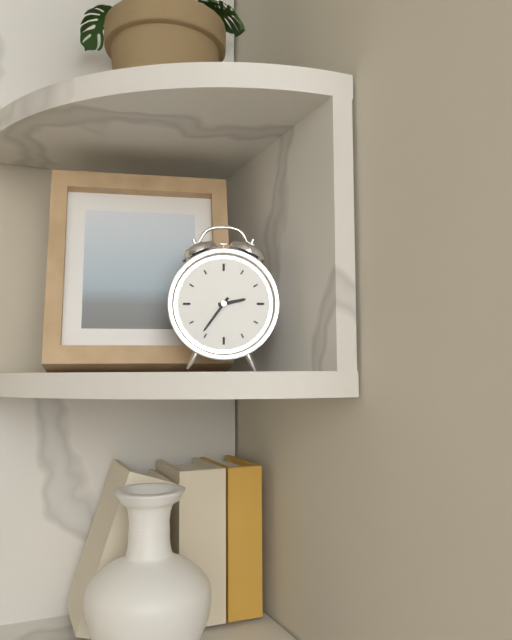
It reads 2,36
